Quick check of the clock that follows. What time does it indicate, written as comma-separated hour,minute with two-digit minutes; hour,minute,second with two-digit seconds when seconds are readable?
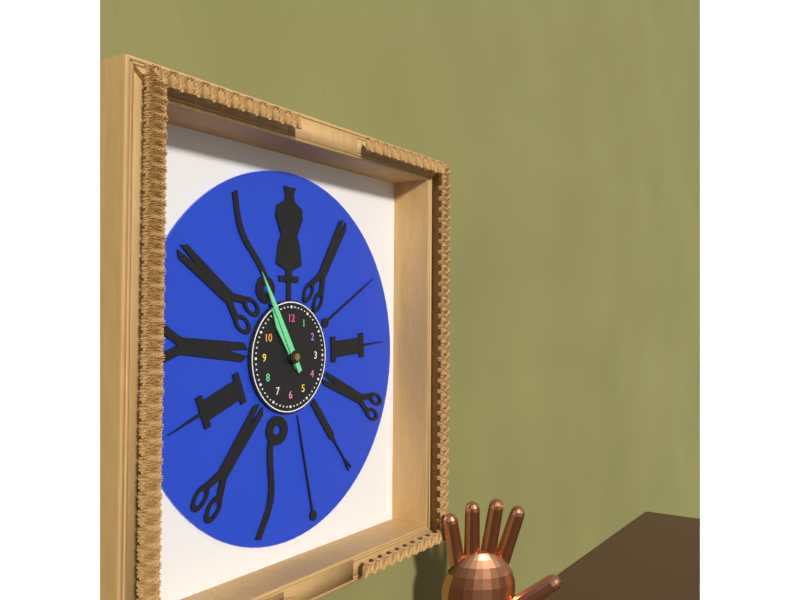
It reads 10,55
